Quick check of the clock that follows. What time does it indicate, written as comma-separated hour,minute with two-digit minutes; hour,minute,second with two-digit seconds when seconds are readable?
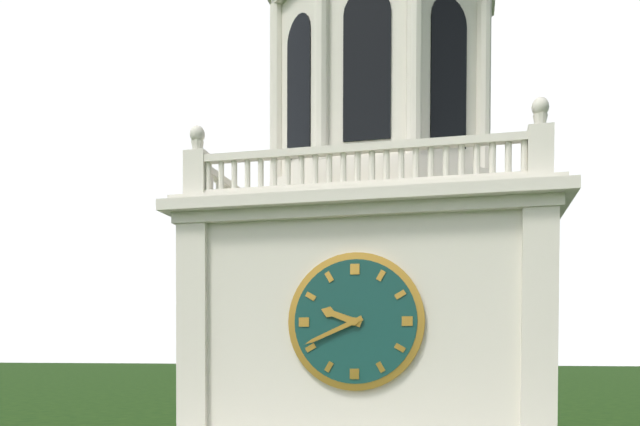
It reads 9,41
